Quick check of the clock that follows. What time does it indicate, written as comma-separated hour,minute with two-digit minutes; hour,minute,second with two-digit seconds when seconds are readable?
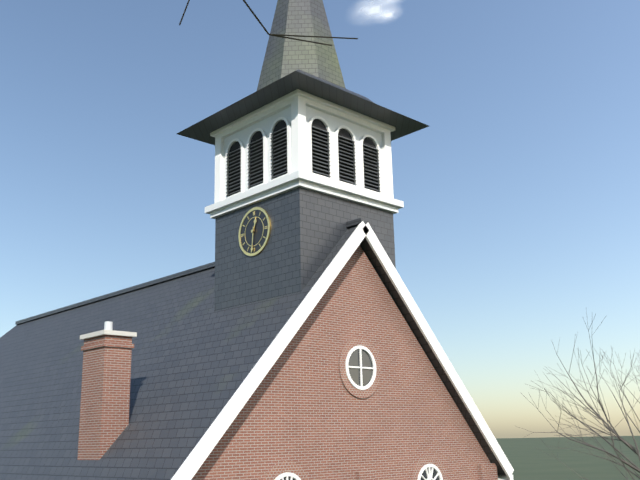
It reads 12,31
